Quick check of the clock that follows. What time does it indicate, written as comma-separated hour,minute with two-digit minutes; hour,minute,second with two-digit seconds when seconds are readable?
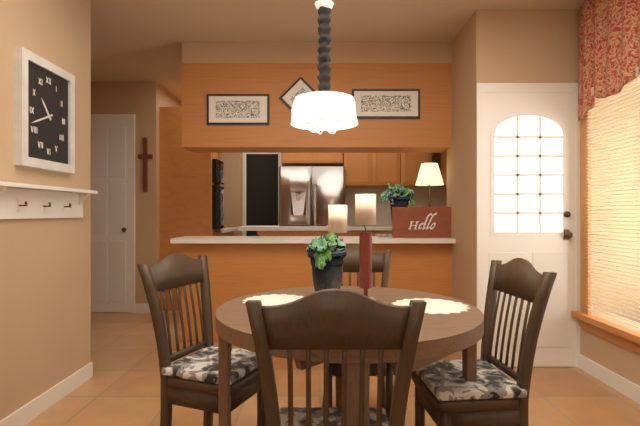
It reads 10,41
